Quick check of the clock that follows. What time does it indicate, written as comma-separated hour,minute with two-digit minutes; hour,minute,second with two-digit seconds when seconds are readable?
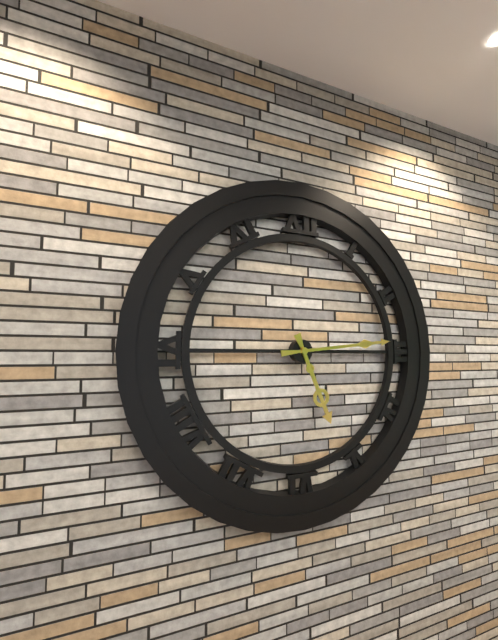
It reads 5,14
